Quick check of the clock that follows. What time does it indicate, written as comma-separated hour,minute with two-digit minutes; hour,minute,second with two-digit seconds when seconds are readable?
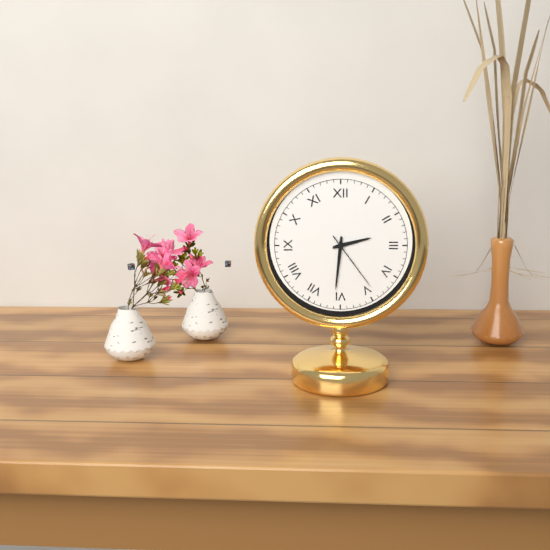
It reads 2,31,24
